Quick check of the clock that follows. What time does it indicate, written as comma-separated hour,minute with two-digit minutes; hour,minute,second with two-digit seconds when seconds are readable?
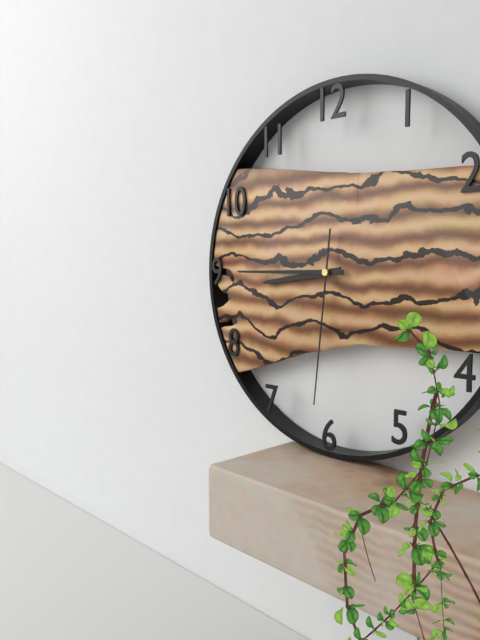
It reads 8,45,31
